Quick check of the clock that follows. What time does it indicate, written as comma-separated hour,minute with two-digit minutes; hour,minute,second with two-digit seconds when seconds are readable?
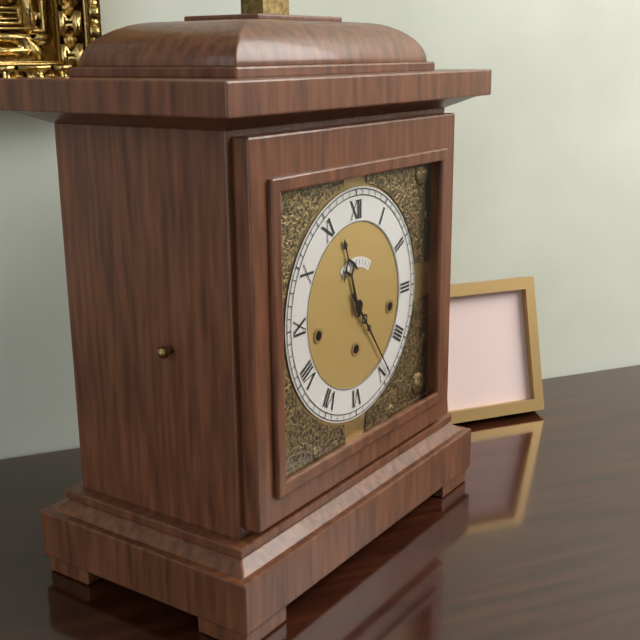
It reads 11,24
